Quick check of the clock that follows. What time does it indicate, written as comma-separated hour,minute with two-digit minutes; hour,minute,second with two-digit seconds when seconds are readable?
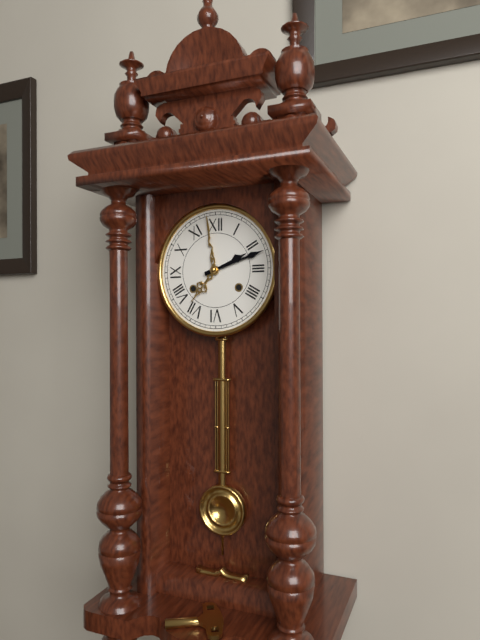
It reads 2,12
